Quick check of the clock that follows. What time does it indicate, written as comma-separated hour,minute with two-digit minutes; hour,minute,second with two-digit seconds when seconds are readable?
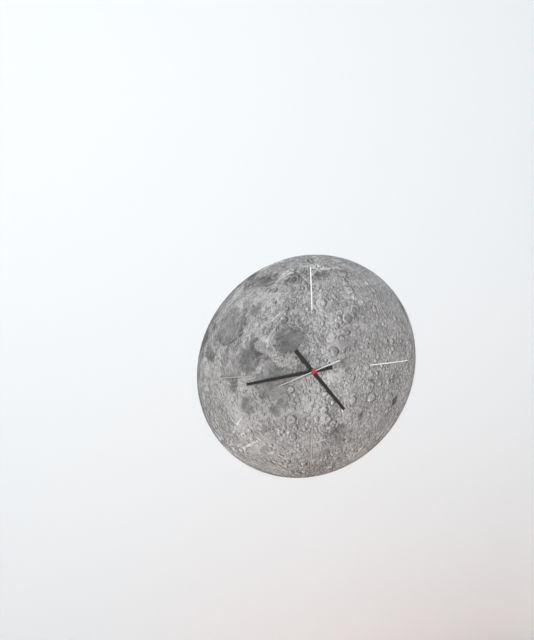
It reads 4,44
